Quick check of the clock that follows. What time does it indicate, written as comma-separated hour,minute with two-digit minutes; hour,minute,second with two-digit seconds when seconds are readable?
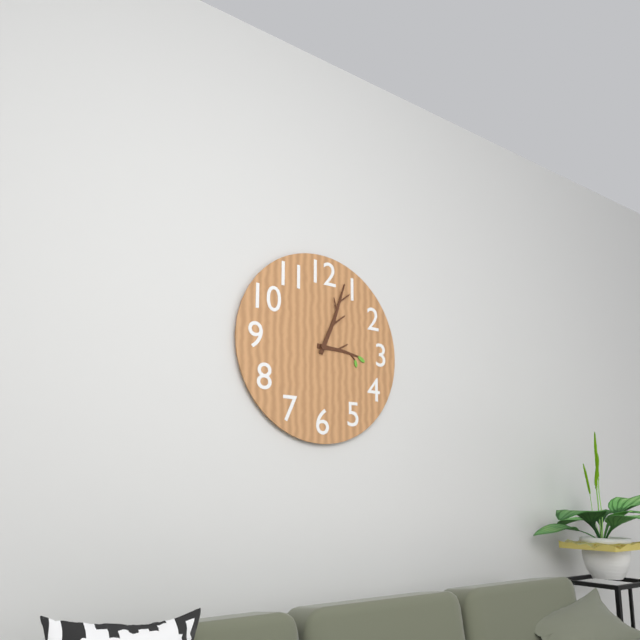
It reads 3,04
